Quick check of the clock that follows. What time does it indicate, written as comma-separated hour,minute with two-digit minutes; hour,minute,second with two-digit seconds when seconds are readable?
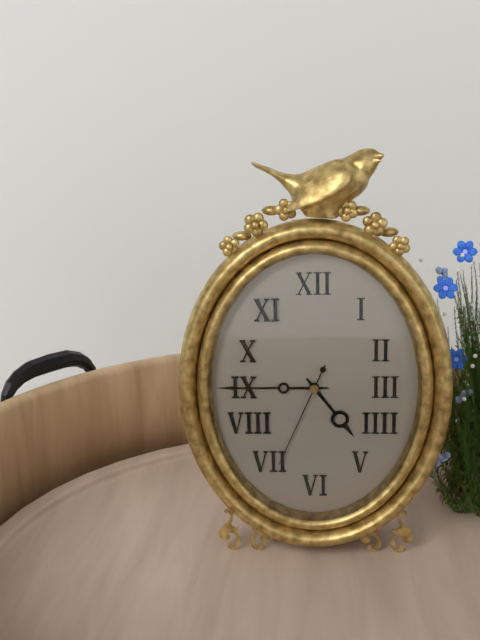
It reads 4,45,34
